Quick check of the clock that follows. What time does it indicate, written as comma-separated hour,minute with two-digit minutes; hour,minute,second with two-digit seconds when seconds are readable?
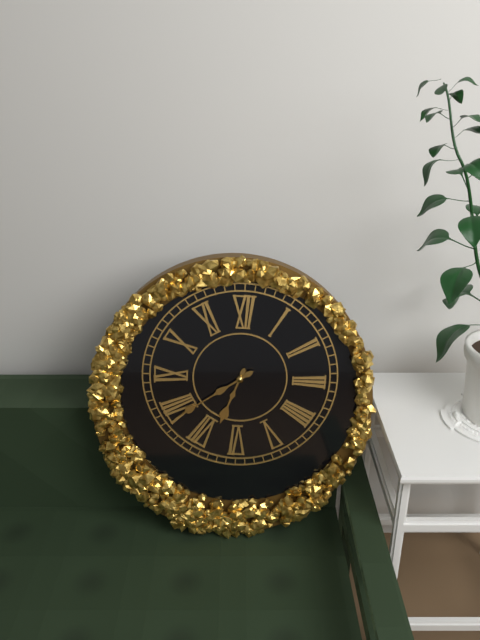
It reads 6,39
